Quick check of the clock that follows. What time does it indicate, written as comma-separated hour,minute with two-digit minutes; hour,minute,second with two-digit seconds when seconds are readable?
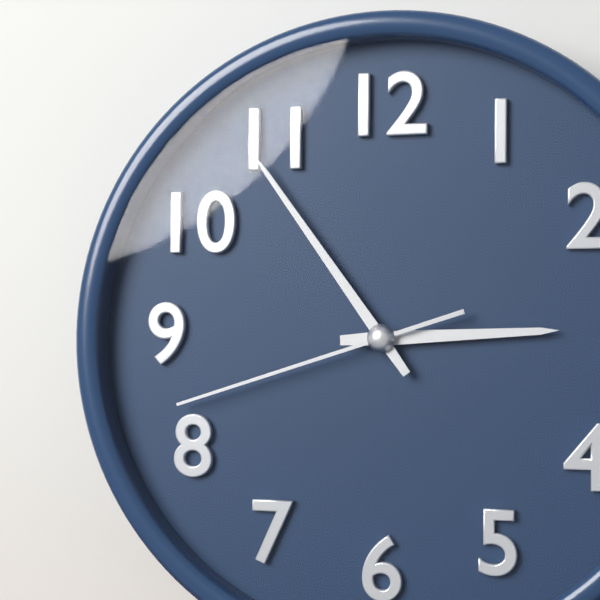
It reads 2,54,42
